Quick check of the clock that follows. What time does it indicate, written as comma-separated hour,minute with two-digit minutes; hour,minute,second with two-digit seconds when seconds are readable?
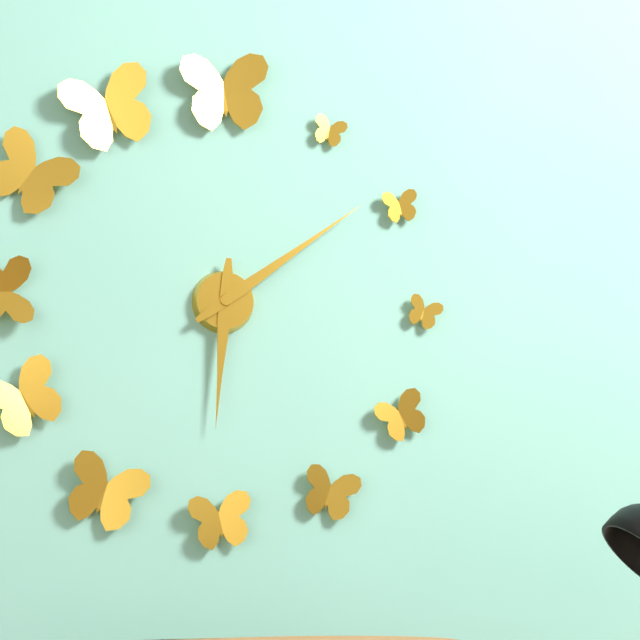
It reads 6,09
